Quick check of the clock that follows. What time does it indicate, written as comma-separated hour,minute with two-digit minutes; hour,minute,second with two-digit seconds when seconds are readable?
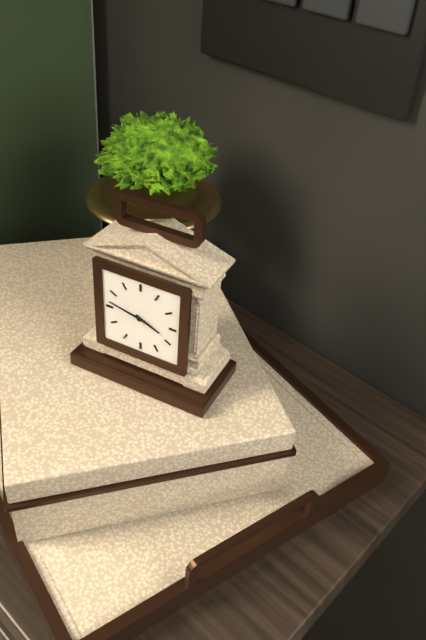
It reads 3,47
